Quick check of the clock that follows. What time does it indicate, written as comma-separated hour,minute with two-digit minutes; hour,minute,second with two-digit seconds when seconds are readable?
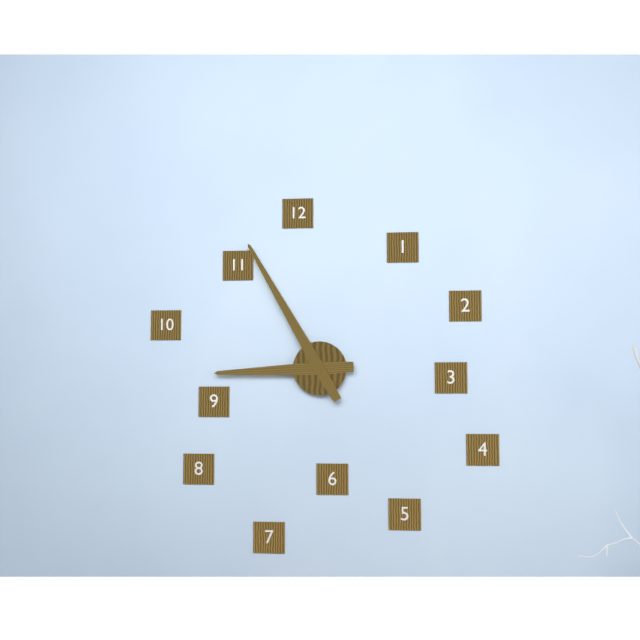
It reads 8,55
